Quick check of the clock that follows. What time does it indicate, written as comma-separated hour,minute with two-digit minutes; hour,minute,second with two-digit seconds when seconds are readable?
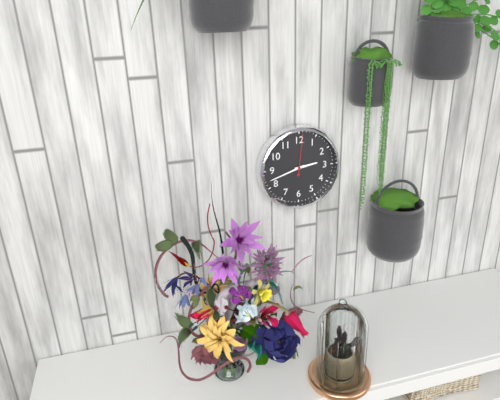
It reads 2,42
